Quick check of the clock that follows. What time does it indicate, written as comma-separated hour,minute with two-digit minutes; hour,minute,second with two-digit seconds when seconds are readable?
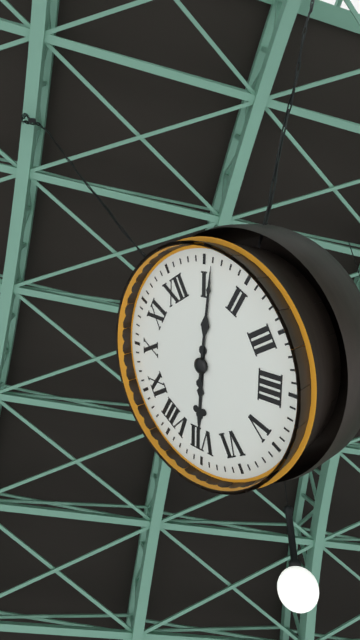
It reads 7,06
